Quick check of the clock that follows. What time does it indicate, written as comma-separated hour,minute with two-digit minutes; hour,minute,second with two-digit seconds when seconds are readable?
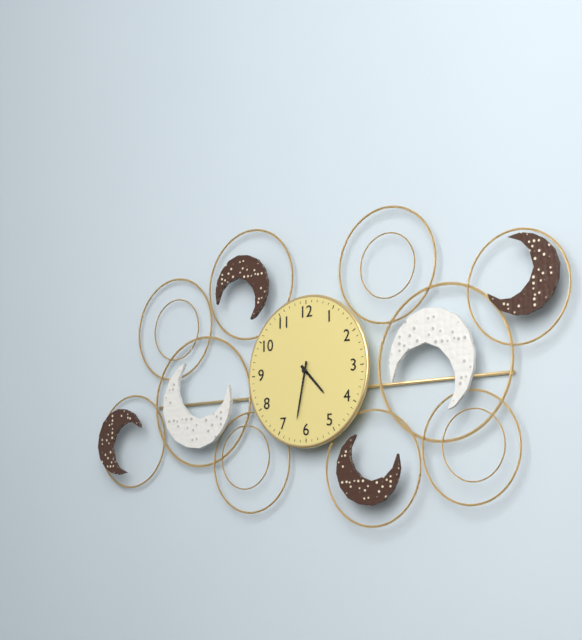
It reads 4,32
